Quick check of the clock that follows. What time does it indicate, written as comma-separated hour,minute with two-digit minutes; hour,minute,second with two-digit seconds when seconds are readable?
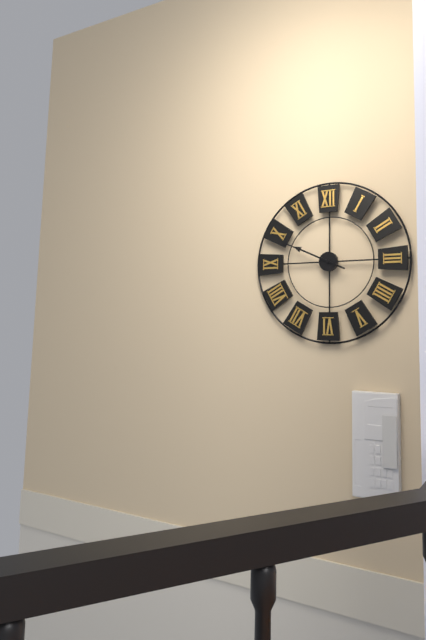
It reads 9,49
